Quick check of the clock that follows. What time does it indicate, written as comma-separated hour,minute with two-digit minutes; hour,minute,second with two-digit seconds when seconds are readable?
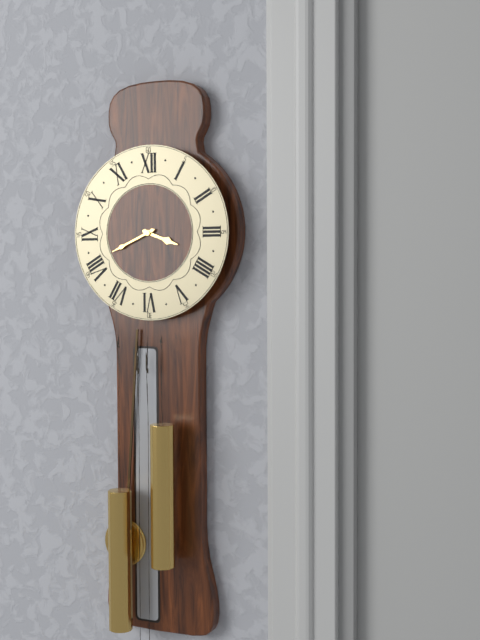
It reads 3,41
